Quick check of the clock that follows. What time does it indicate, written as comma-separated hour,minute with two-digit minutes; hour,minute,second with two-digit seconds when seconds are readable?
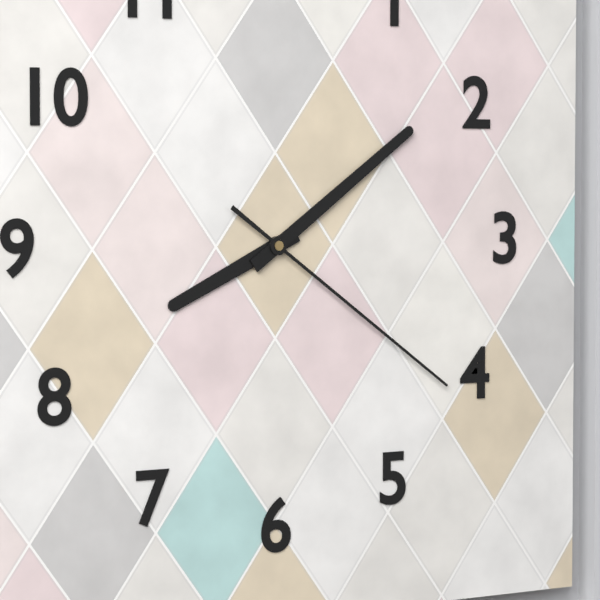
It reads 8,09,21
